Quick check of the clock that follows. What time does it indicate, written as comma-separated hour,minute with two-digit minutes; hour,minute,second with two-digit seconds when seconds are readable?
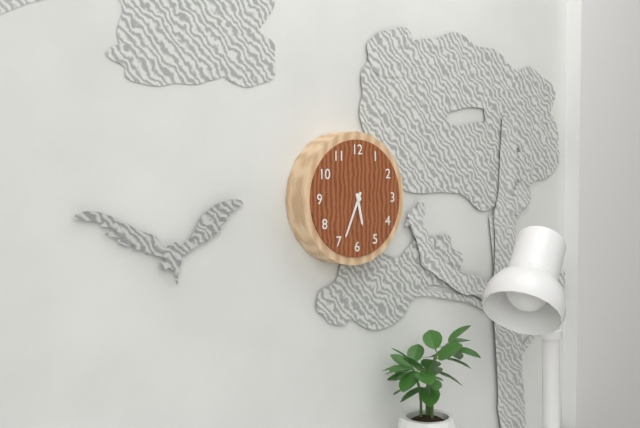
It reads 5,34
